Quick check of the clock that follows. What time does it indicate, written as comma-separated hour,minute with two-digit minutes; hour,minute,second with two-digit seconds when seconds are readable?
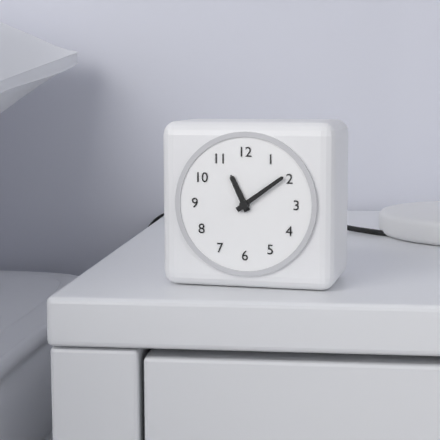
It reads 11,09
